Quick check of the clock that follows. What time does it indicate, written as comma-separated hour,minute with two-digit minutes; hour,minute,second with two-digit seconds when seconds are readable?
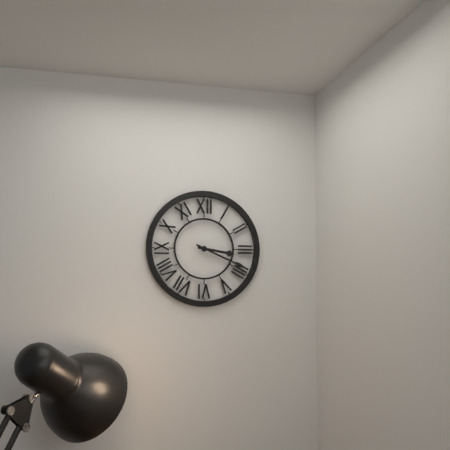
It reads 3,19
